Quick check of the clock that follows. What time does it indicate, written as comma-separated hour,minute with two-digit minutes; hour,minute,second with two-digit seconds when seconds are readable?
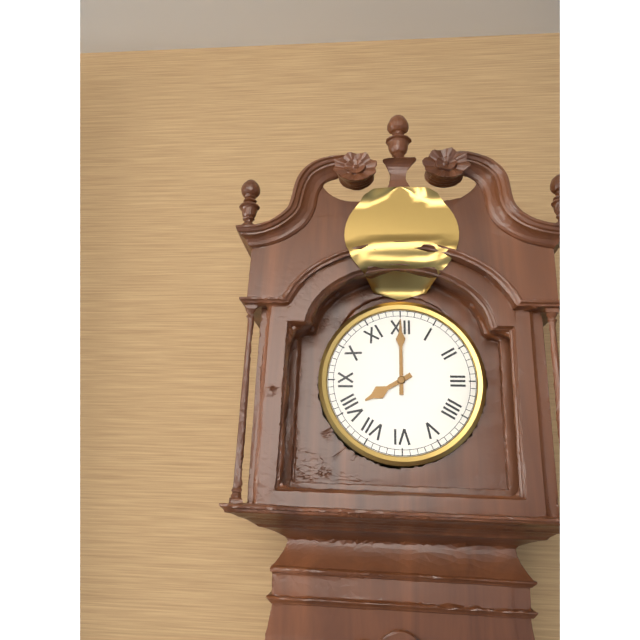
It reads 8,00
